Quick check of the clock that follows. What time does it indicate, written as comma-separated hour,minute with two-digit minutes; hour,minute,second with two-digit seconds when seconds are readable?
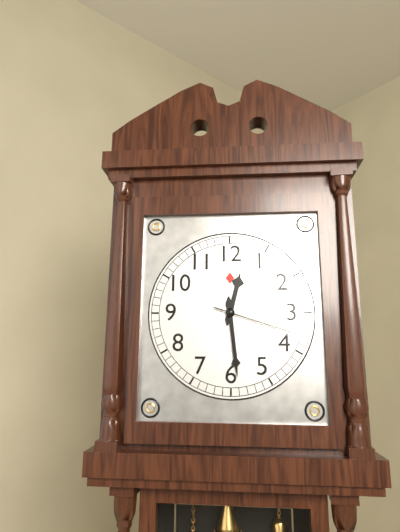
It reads 12,29,18
